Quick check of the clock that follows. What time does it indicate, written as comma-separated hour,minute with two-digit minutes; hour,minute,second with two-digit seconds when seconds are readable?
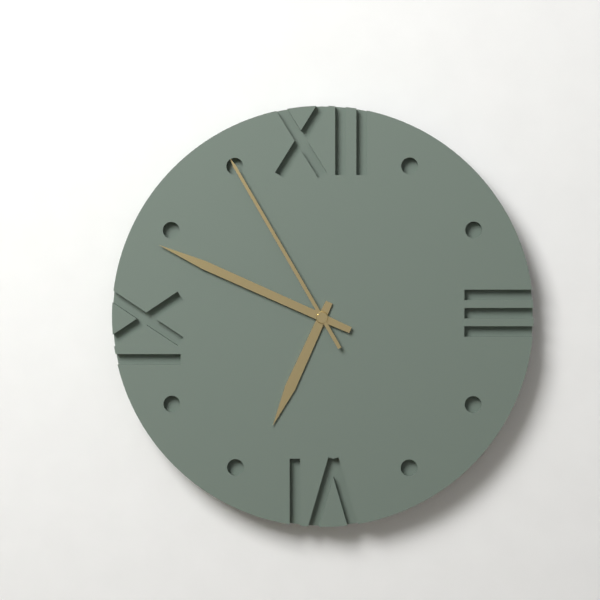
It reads 6,49,55
